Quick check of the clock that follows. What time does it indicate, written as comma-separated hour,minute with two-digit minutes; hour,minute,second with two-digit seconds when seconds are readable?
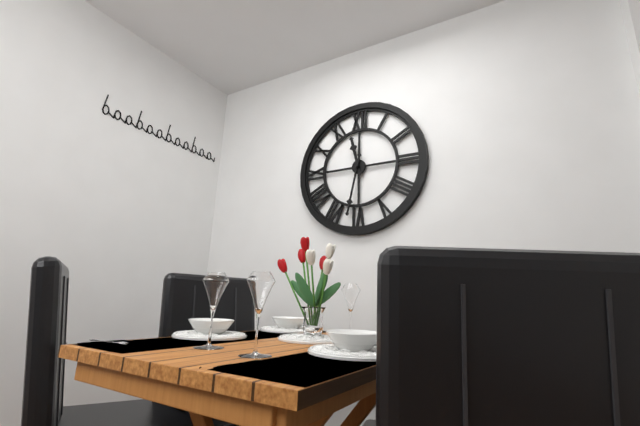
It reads 11,32
